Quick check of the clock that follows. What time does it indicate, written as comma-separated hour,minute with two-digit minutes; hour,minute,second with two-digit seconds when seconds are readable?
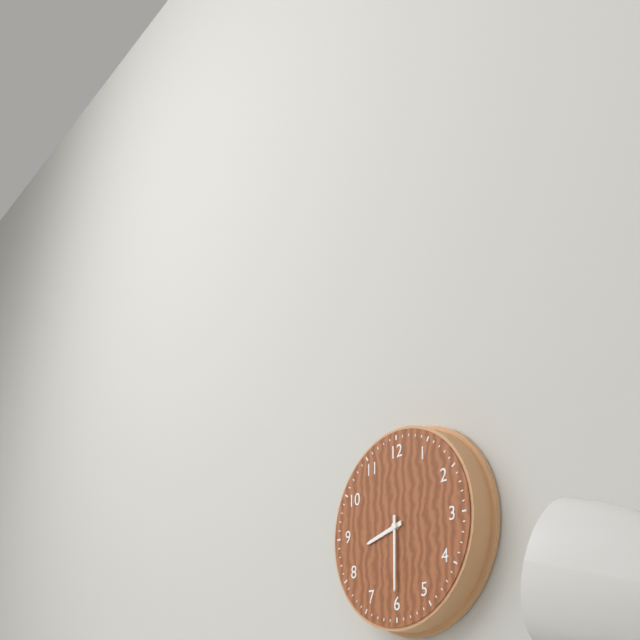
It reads 8,30
